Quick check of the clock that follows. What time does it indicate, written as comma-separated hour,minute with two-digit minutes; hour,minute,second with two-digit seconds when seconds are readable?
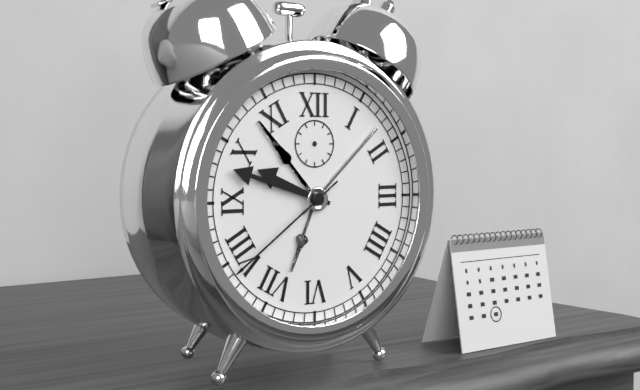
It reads 9,48,39
